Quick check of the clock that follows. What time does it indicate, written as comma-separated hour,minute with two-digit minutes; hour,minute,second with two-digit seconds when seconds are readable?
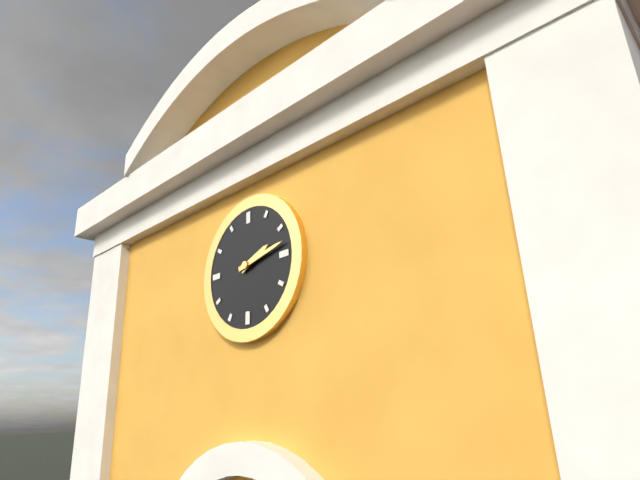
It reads 2,13
